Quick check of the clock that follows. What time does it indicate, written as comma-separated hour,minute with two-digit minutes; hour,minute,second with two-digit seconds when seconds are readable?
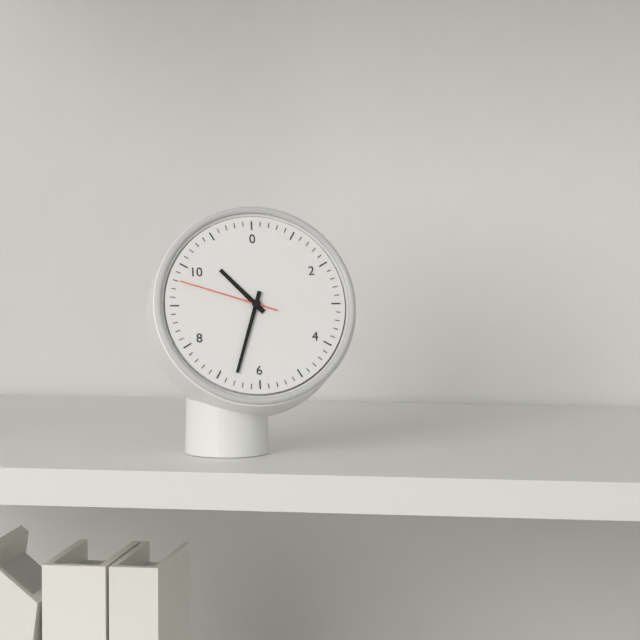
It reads 10,33,48
